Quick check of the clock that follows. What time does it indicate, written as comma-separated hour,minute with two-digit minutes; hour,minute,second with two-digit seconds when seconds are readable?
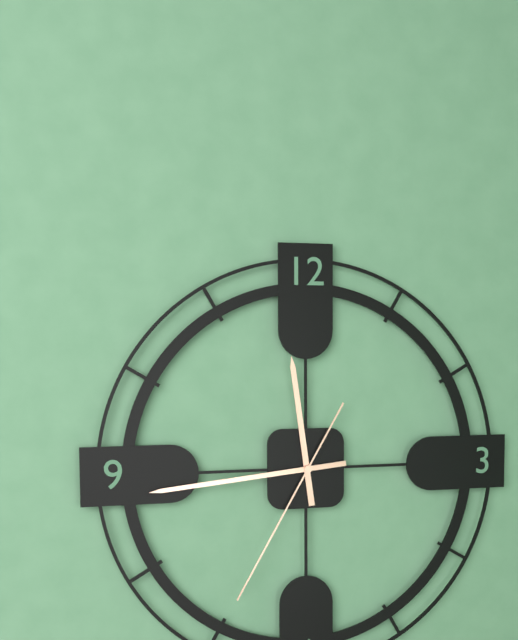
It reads 11,44,35
